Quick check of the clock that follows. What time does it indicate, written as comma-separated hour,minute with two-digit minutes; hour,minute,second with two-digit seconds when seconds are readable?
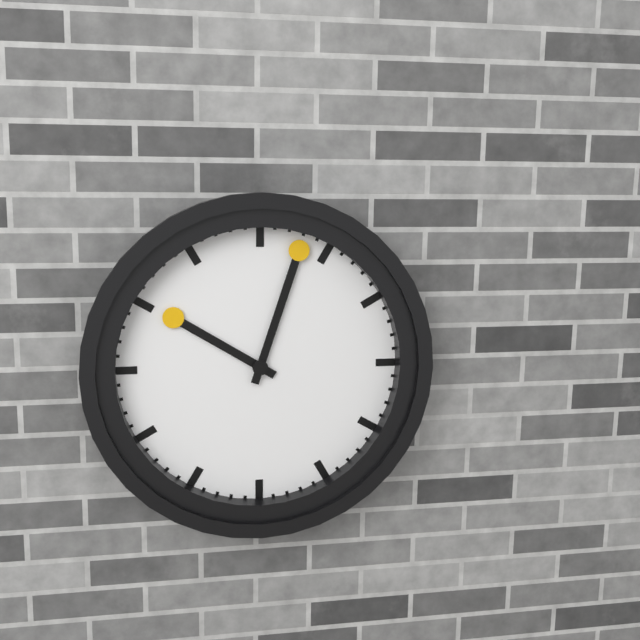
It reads 10,03
